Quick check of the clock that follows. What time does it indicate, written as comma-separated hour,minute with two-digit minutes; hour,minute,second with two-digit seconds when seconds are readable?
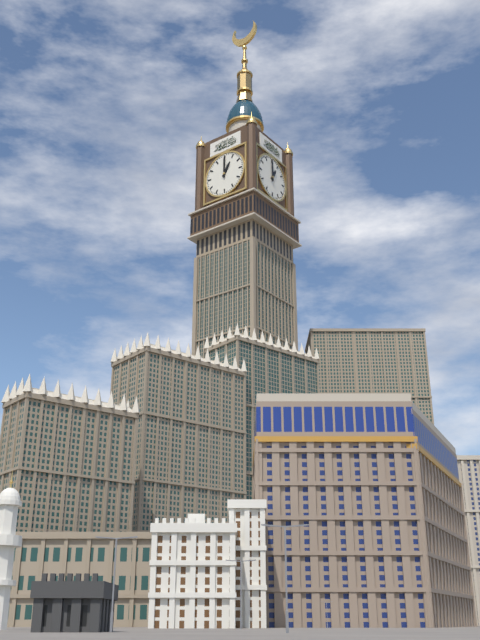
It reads 1,00
